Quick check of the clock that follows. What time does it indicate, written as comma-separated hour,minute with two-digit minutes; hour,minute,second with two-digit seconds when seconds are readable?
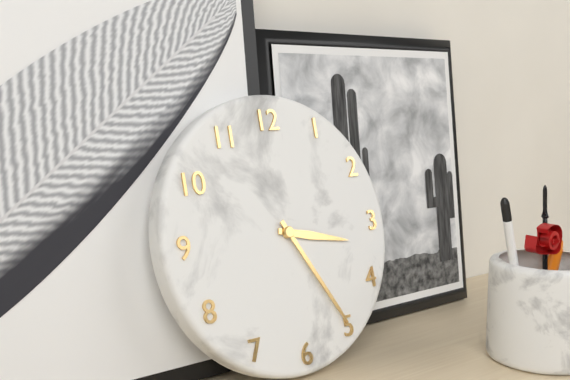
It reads 3,25
